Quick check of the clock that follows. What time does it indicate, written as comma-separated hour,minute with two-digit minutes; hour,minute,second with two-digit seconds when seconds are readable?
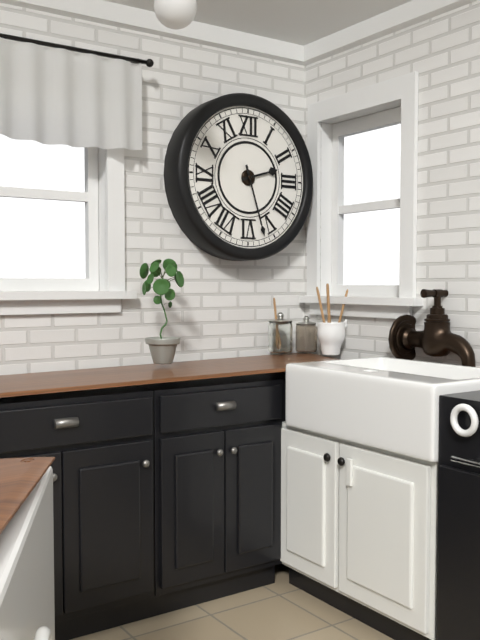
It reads 2,27
